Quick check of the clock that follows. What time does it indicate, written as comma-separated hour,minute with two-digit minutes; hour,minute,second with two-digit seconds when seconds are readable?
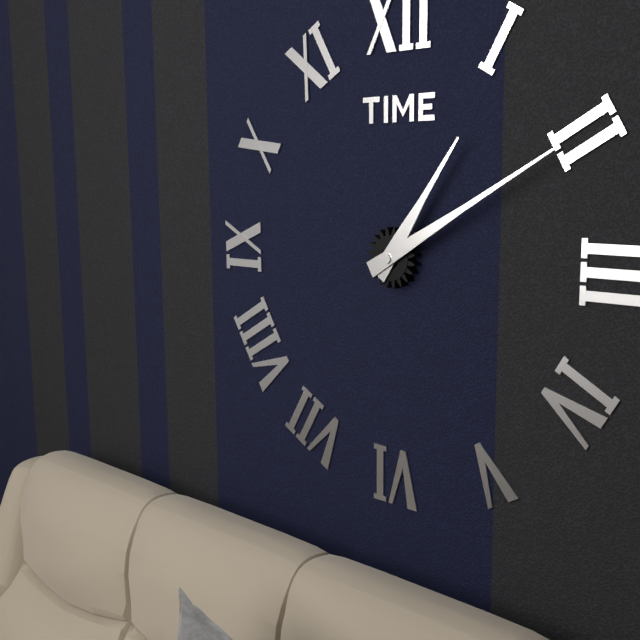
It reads 1,10
